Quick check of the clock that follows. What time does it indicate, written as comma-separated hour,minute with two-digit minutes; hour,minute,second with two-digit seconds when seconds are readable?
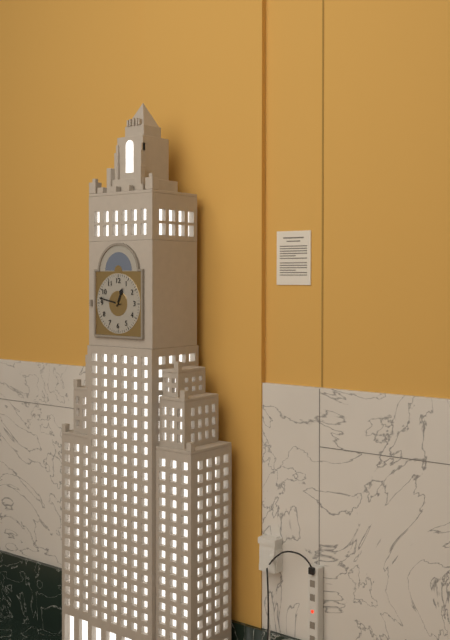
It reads 12,47
